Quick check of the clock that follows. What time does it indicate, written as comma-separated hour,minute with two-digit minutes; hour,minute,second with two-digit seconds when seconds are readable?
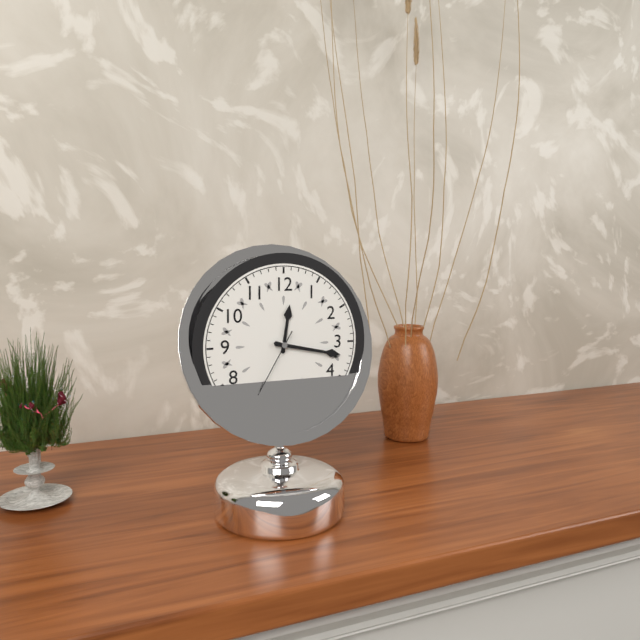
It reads 12,17,35
